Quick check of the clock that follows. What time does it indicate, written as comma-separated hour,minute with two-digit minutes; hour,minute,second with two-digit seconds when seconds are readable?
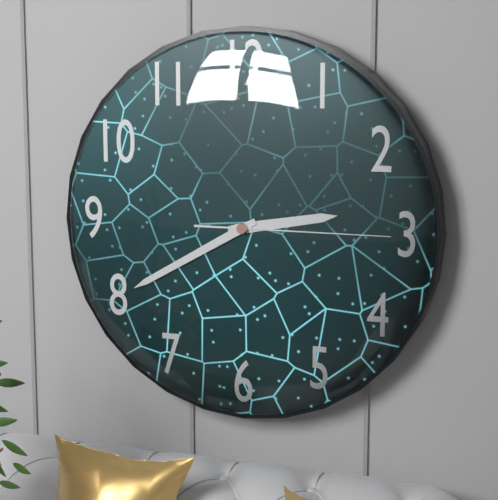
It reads 2,40,15
